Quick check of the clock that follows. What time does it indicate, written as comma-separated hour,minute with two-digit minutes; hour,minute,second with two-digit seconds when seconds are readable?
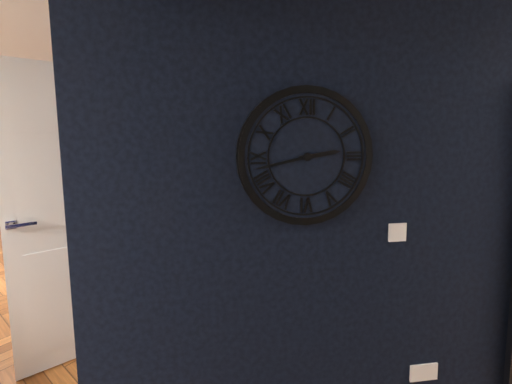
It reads 2,43
